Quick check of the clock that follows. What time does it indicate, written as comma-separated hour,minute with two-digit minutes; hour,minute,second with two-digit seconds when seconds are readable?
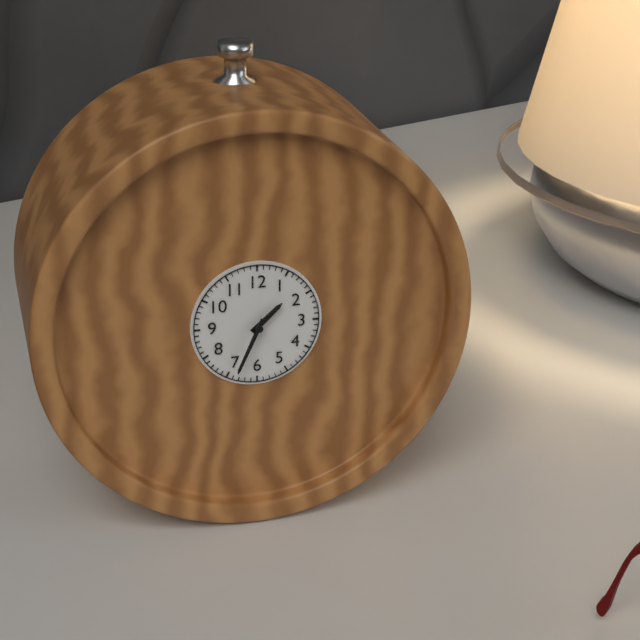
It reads 1,34
